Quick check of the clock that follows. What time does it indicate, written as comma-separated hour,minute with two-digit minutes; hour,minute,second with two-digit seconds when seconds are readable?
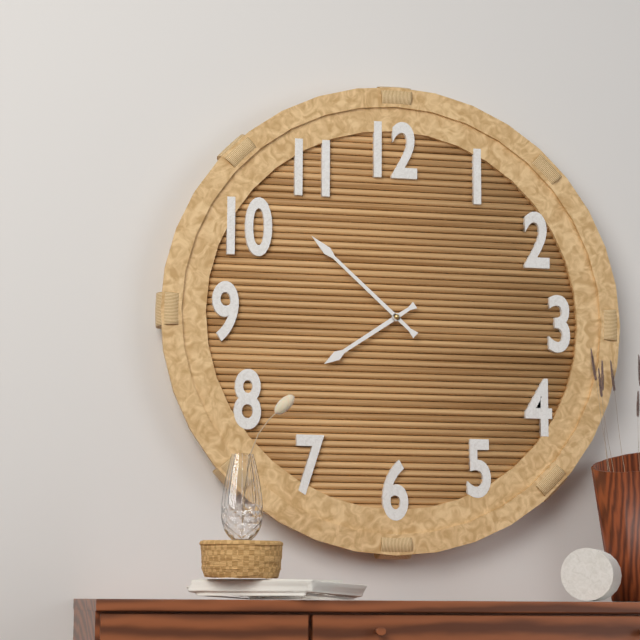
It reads 7,52
